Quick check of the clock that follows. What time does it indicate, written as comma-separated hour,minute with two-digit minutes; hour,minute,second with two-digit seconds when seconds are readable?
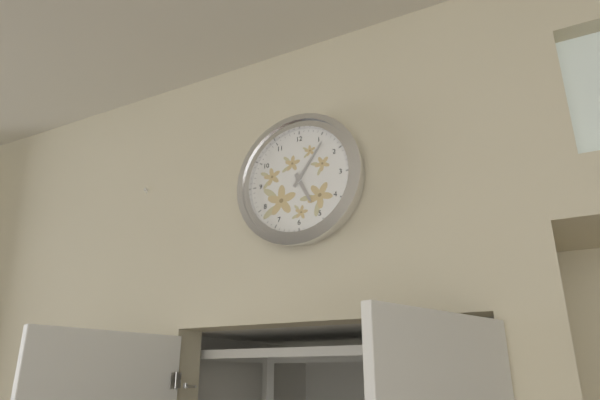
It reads 5,06
